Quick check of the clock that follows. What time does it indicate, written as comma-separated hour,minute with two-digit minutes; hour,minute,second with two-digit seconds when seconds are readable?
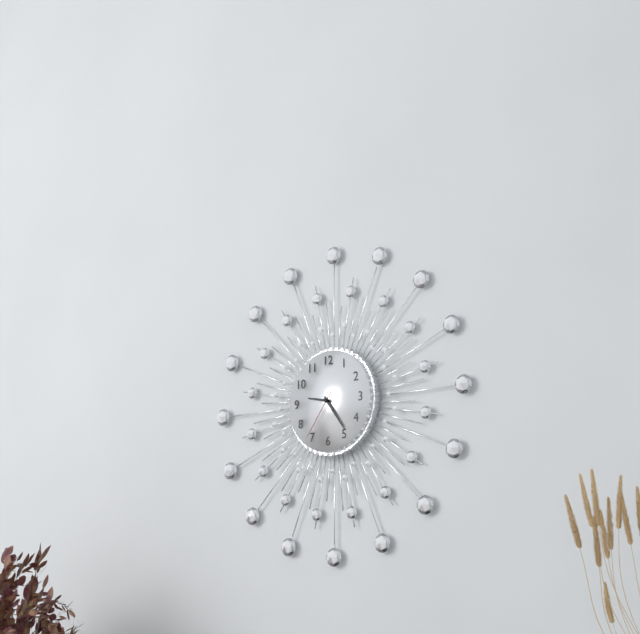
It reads 9,24,36
